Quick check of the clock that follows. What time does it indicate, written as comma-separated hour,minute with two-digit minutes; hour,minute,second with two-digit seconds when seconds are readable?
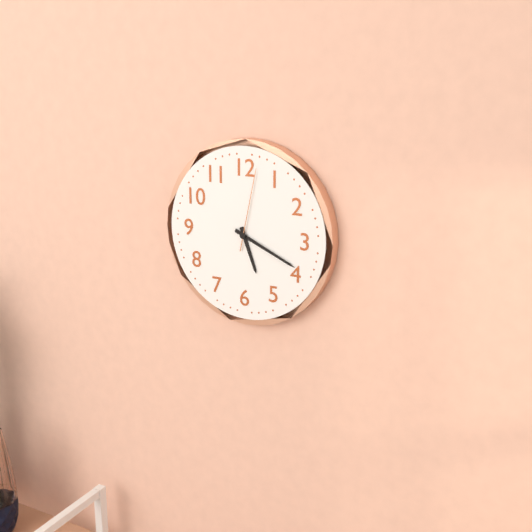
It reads 5,19,02
